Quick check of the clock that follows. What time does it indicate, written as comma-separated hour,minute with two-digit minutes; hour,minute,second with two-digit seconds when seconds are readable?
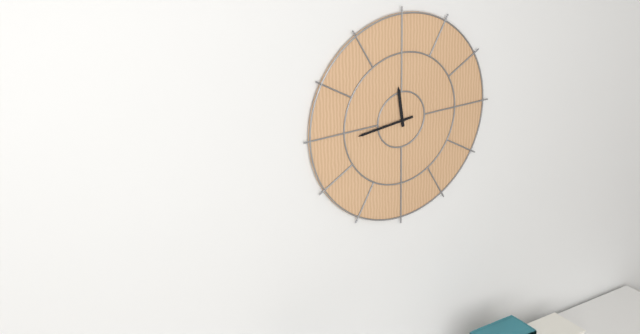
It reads 11,44
